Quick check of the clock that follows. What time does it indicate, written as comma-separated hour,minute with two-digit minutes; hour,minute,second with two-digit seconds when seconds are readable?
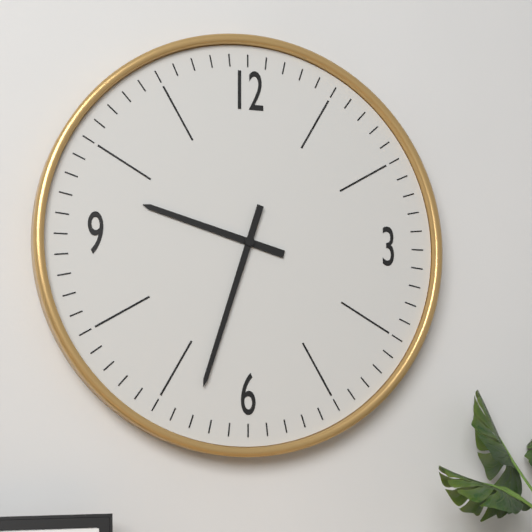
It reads 9,33
